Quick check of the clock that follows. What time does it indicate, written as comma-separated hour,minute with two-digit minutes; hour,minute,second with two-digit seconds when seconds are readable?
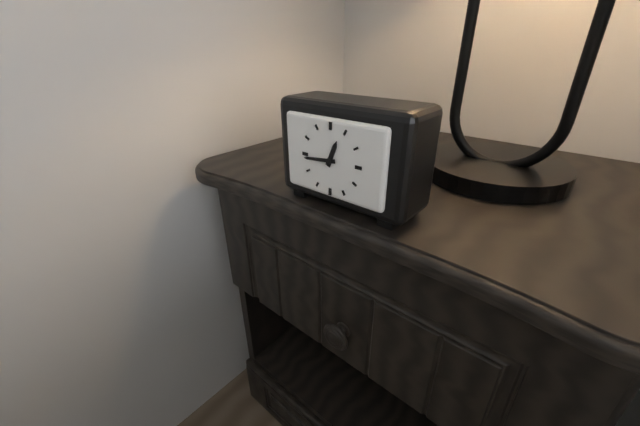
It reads 12,44
